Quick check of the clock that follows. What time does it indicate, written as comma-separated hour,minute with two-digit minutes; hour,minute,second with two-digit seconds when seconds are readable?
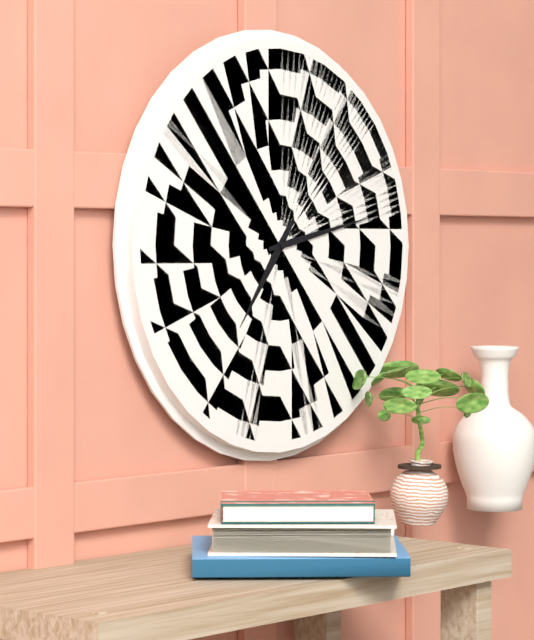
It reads 7,13
